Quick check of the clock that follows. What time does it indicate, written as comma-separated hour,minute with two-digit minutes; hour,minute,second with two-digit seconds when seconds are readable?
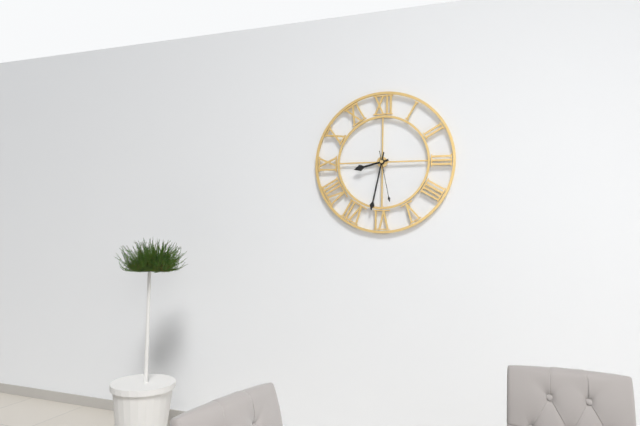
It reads 8,32,28
